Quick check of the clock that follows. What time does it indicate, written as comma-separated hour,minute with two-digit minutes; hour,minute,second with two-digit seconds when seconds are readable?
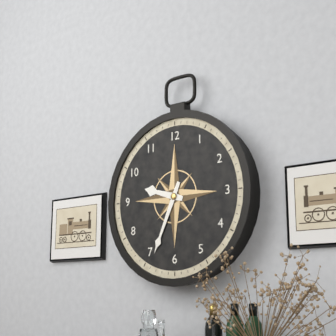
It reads 9,34
